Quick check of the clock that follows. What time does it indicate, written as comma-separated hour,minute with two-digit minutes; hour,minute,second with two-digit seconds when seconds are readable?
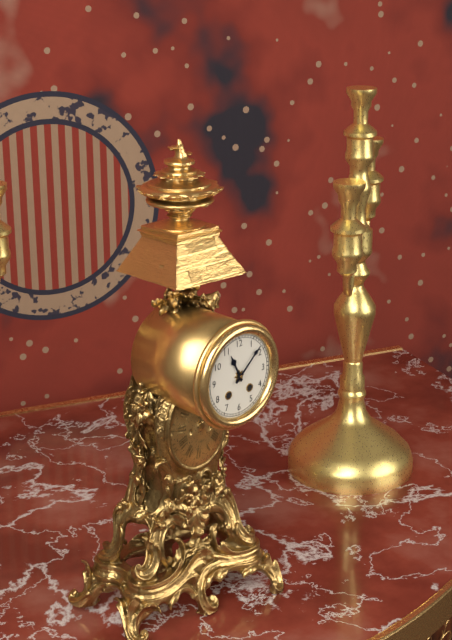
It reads 11,08
